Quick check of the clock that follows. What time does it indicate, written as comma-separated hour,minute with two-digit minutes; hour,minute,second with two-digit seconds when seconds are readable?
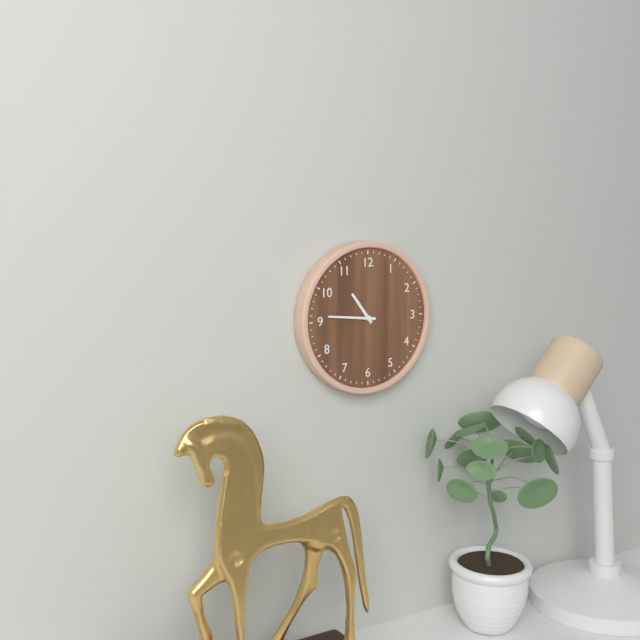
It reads 10,46
